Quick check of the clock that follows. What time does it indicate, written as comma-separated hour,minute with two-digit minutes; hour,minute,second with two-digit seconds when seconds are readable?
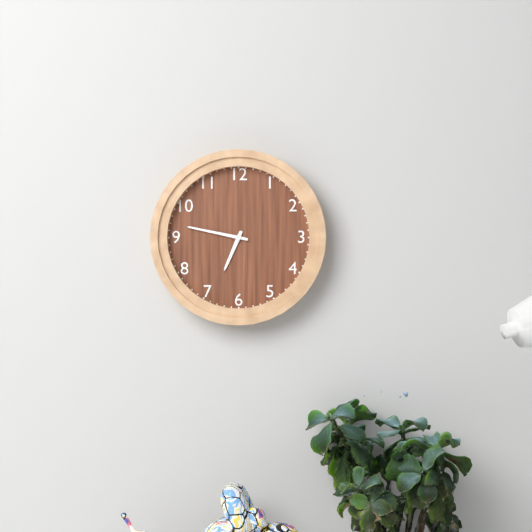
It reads 6,47
